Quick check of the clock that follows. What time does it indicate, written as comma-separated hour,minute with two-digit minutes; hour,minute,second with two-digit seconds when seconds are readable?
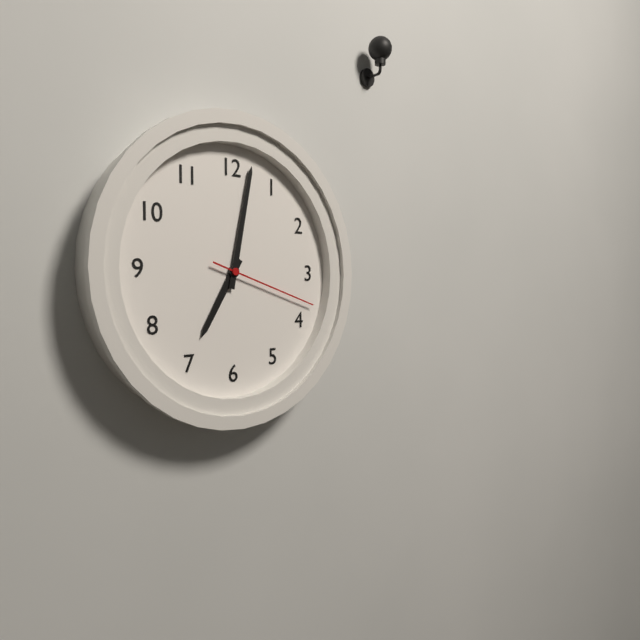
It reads 7,02,18
